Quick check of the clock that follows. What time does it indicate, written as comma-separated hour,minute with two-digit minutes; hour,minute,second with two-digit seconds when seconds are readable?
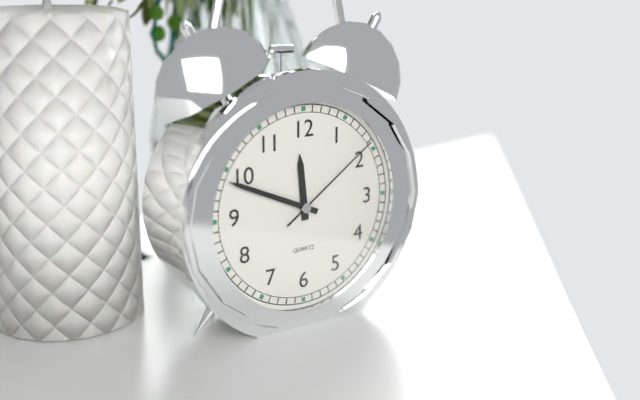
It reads 11,49,09
